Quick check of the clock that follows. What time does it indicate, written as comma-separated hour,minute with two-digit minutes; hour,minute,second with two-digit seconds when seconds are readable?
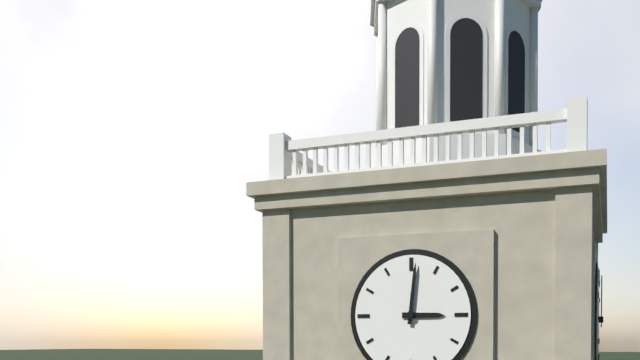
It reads 3,01
